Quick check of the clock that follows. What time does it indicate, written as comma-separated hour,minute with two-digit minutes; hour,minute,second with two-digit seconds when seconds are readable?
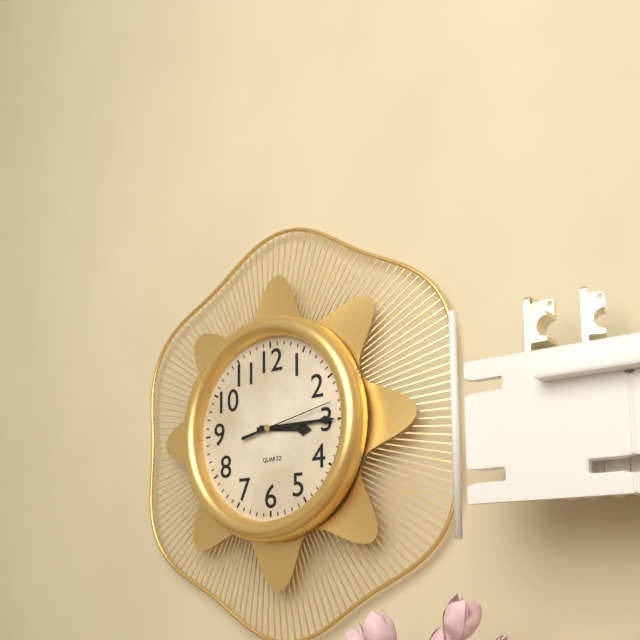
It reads 3,15,13
